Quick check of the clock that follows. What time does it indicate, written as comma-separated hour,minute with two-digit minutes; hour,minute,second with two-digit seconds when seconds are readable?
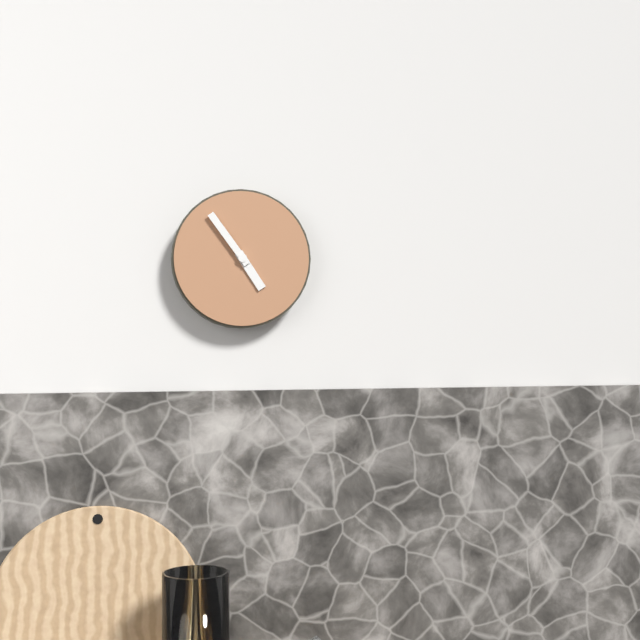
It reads 4,54
